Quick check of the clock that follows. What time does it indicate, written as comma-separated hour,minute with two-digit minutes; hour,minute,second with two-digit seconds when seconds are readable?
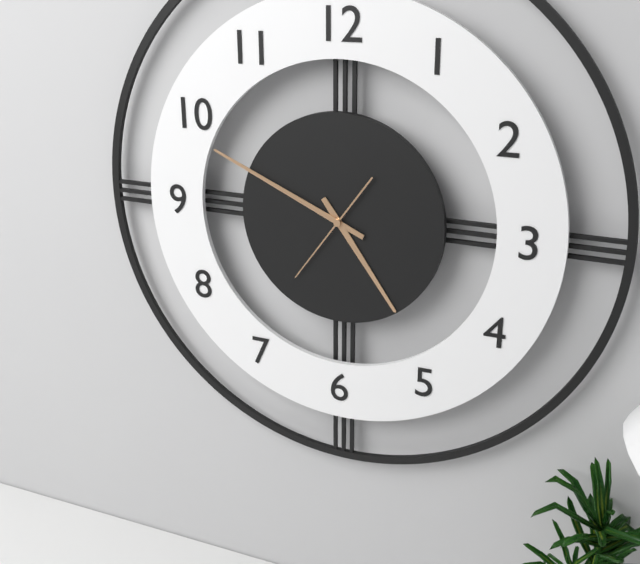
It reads 4,49,36
